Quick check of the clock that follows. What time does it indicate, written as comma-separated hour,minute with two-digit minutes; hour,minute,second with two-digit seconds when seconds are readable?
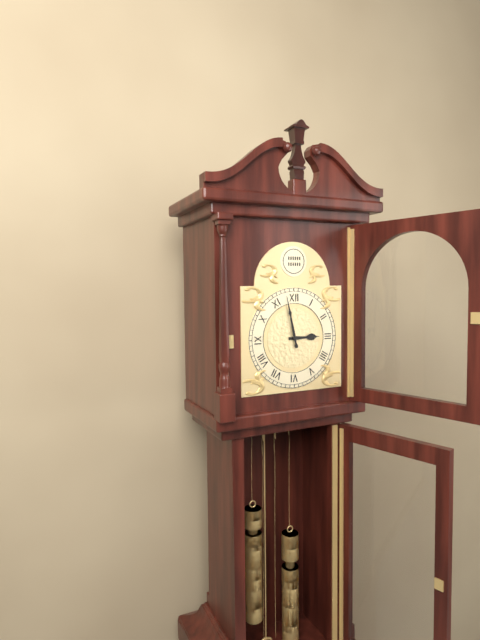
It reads 2,58
